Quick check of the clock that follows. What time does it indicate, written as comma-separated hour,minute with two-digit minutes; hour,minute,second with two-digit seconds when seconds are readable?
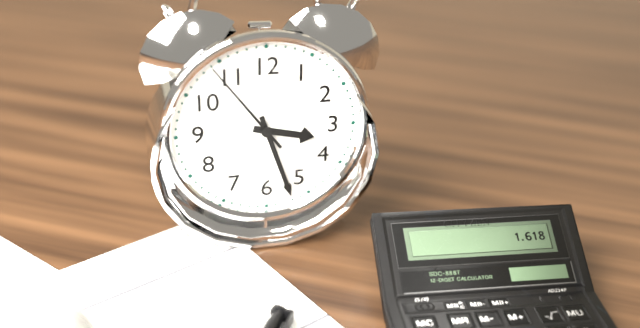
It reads 3,27,54
